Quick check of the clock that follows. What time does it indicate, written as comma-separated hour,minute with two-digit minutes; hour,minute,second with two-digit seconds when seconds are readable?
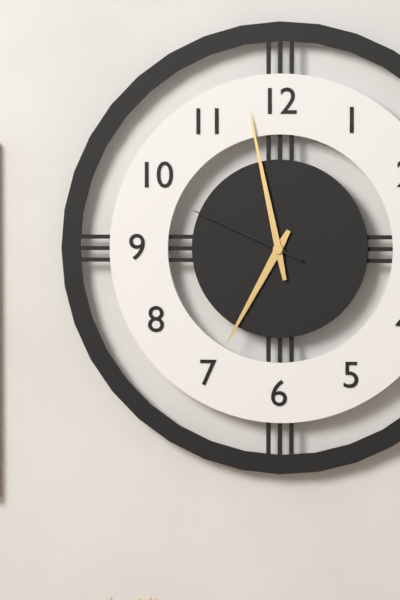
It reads 6,58,49
